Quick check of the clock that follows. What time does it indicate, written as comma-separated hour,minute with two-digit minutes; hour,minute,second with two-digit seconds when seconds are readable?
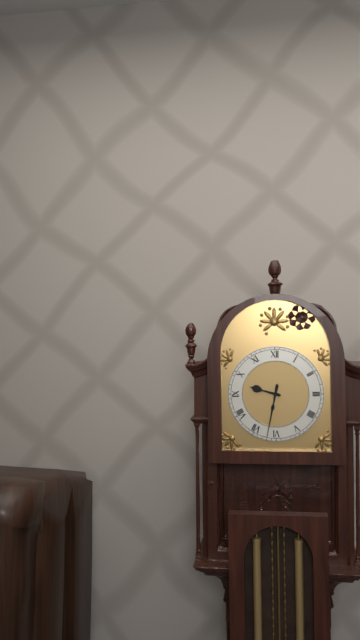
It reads 9,32
